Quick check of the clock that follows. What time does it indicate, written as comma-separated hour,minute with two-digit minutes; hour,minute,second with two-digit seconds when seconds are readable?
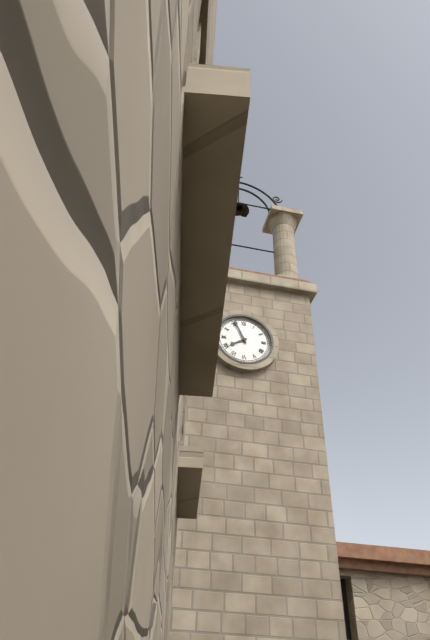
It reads 7,56
